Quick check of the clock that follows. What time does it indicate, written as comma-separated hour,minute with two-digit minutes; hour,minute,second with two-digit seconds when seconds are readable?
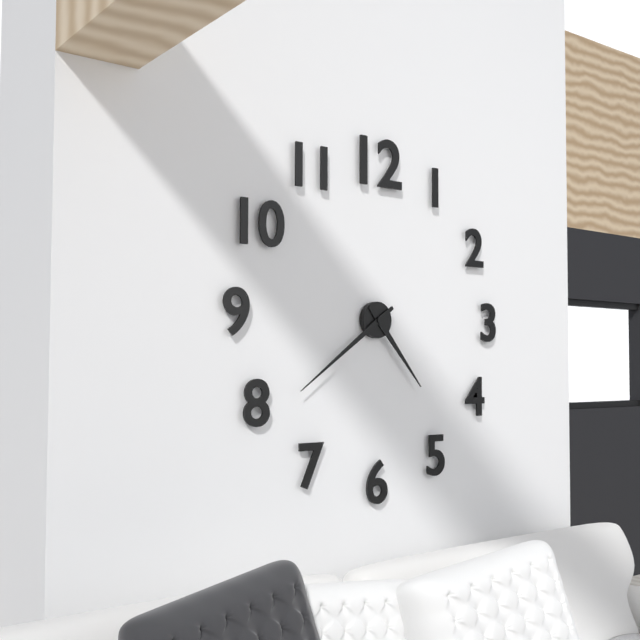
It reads 4,39
